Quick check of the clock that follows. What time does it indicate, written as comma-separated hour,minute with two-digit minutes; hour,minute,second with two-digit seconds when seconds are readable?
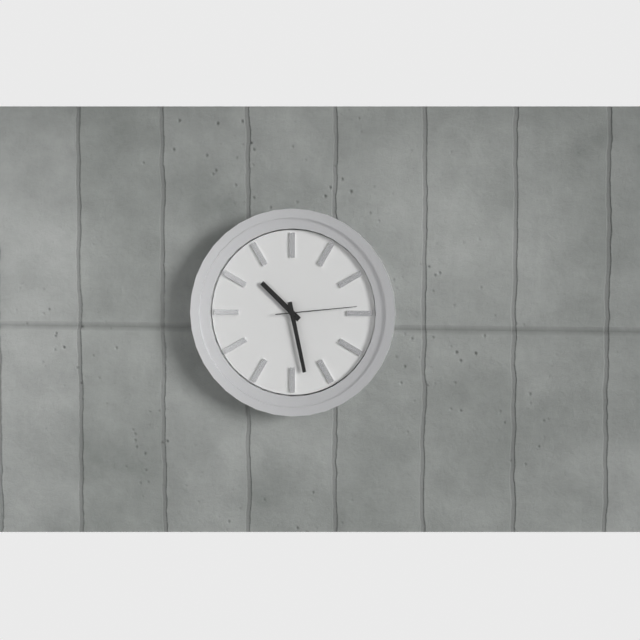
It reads 10,28,14
